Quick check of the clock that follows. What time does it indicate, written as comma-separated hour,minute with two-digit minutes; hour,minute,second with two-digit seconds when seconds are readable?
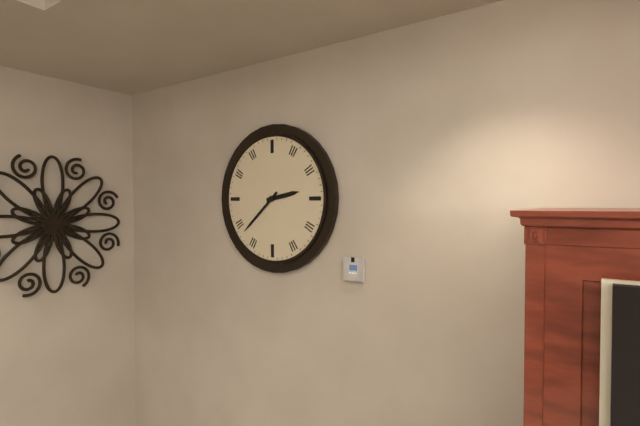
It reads 2,38
